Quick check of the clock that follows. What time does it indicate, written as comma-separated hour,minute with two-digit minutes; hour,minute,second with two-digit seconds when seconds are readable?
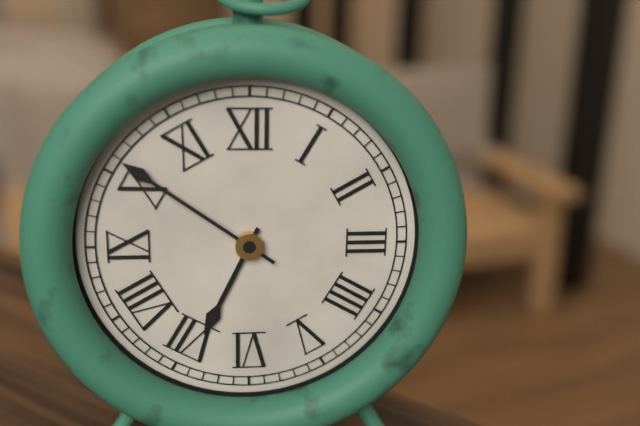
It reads 6,51
